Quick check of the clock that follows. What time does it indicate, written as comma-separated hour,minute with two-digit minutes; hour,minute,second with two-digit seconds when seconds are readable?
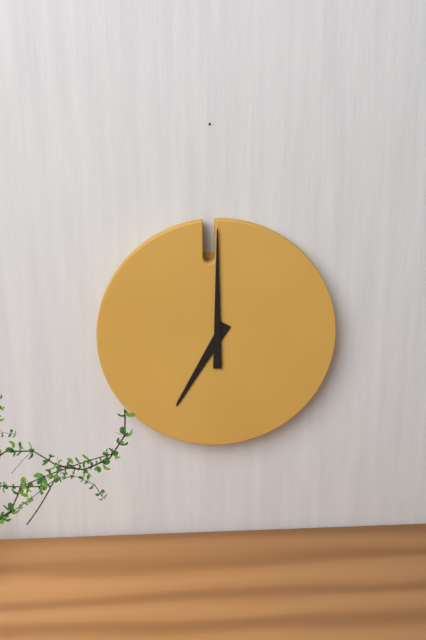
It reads 7,00
